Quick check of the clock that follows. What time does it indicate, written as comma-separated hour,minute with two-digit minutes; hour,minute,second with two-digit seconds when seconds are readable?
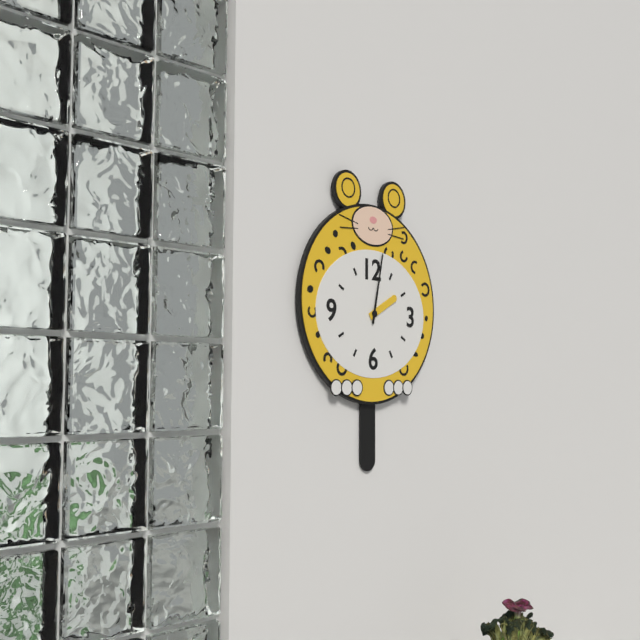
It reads 2,02
